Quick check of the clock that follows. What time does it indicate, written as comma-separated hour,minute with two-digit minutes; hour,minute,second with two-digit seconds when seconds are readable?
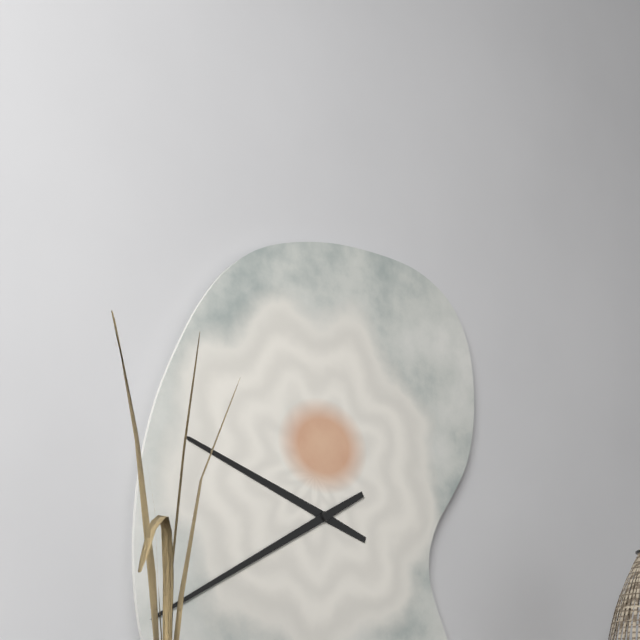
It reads 9,40
